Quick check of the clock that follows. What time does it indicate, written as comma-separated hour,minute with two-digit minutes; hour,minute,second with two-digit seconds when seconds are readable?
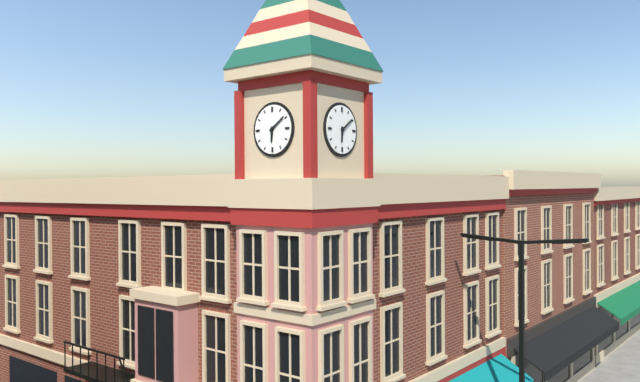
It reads 6,09
